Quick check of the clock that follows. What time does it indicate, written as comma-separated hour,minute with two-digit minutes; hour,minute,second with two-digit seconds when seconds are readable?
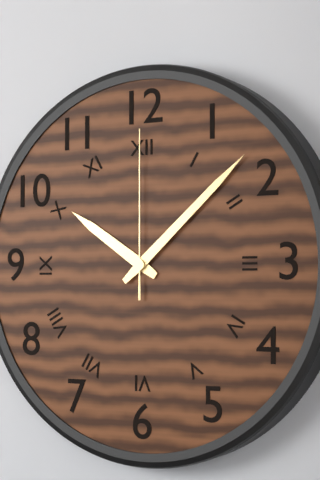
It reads 10,08,00
